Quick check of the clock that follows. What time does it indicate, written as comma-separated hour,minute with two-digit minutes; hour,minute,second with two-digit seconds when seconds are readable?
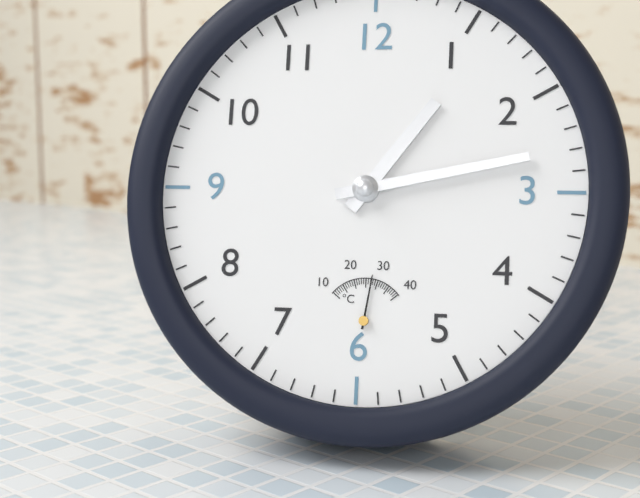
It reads 1,13
